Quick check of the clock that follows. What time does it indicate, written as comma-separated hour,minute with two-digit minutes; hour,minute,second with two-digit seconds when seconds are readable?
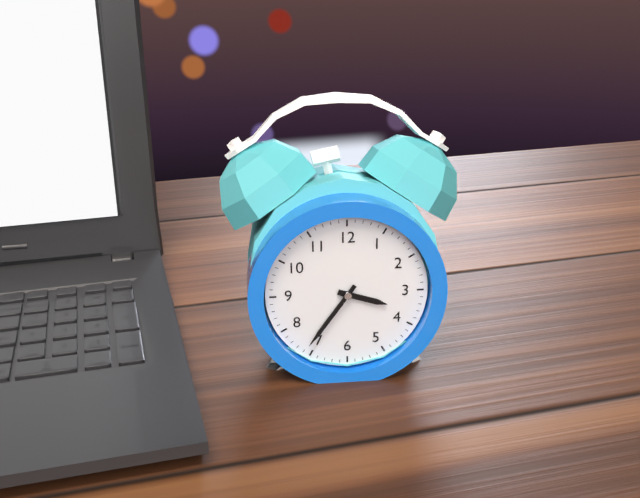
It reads 3,36
